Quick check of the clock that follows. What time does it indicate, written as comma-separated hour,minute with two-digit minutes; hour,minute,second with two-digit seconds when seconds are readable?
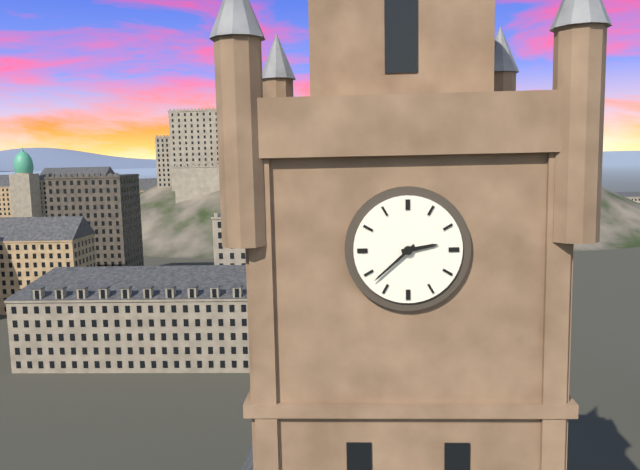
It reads 2,38
